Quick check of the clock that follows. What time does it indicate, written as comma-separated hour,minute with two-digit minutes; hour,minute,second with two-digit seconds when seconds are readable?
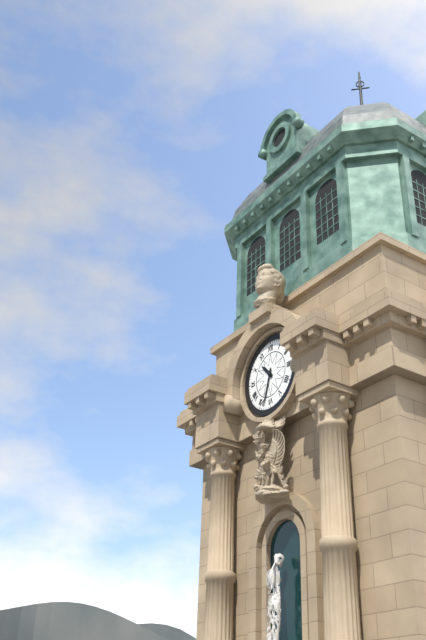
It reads 10,33
